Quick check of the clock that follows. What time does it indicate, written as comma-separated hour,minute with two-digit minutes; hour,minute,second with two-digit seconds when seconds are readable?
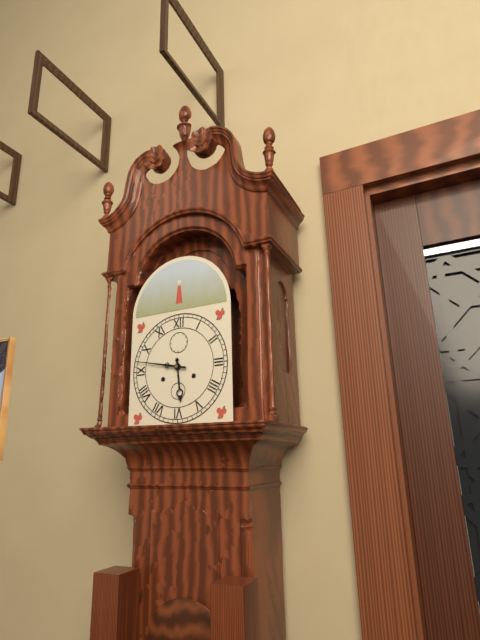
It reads 5,47
